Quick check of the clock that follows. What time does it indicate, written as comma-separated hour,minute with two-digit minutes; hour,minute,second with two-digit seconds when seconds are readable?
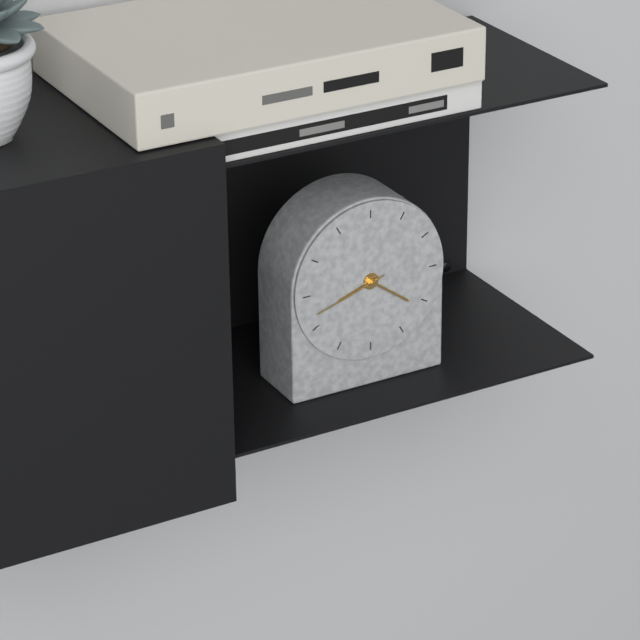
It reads 8,21,42
